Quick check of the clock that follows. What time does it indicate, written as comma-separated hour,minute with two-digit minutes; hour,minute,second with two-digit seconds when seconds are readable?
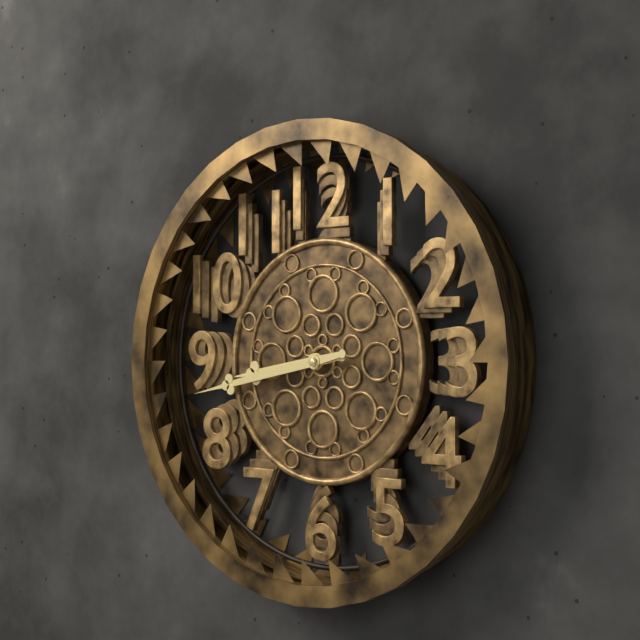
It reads 8,43
